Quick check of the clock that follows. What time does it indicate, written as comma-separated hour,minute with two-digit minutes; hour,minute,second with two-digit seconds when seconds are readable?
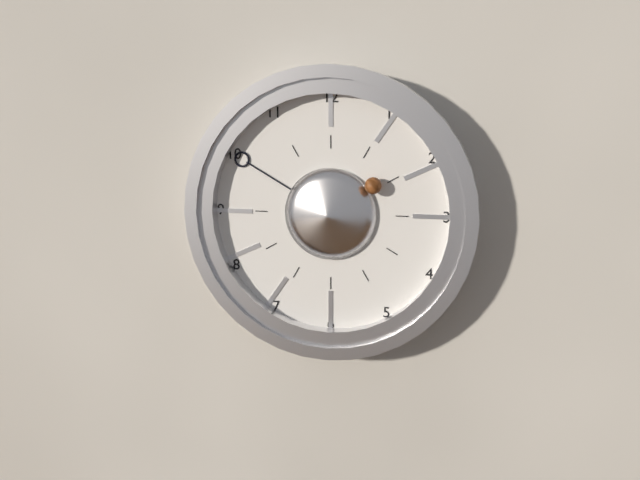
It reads 1,50
